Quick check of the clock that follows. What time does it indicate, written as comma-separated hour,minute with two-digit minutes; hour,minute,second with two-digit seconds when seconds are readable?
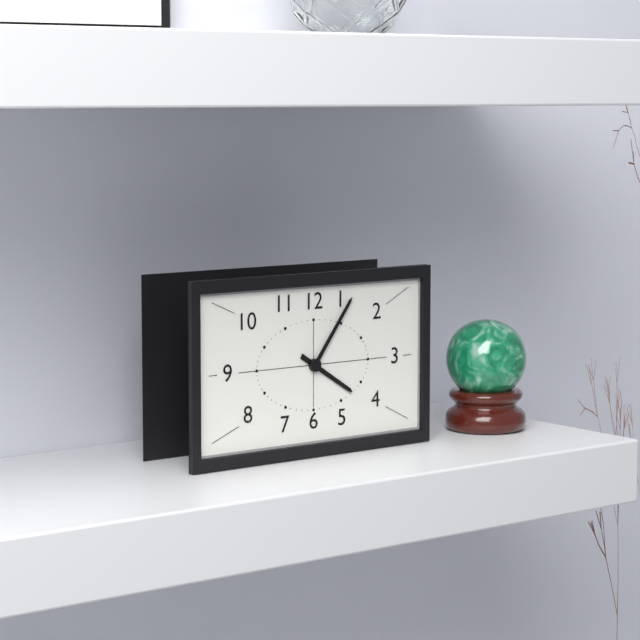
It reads 4,06
